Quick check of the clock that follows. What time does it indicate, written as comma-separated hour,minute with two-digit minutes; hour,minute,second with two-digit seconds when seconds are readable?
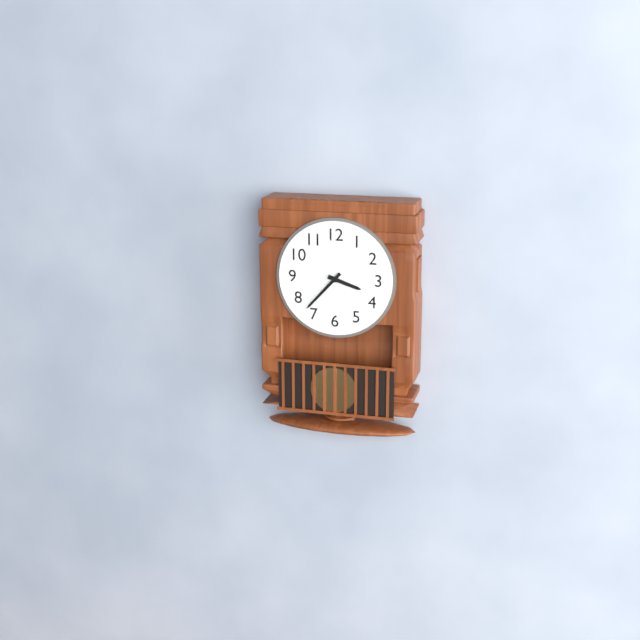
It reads 3,37
